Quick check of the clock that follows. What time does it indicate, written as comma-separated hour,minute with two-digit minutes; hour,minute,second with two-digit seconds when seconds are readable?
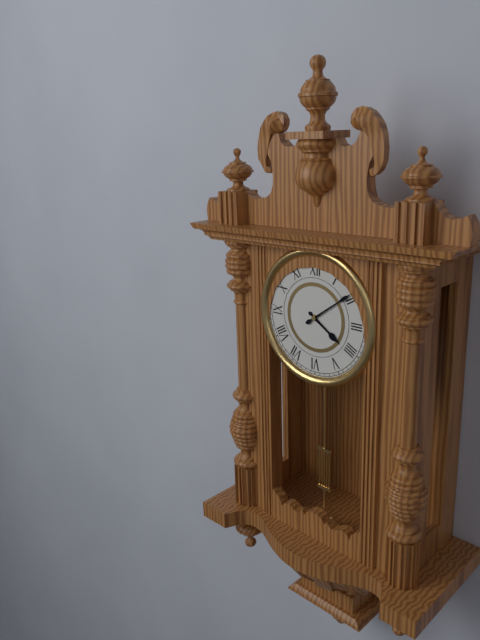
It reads 4,09
